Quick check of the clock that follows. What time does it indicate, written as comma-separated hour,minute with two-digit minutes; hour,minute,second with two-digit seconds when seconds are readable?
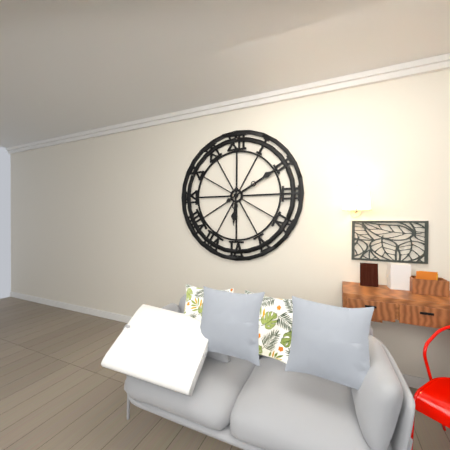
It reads 6,10
